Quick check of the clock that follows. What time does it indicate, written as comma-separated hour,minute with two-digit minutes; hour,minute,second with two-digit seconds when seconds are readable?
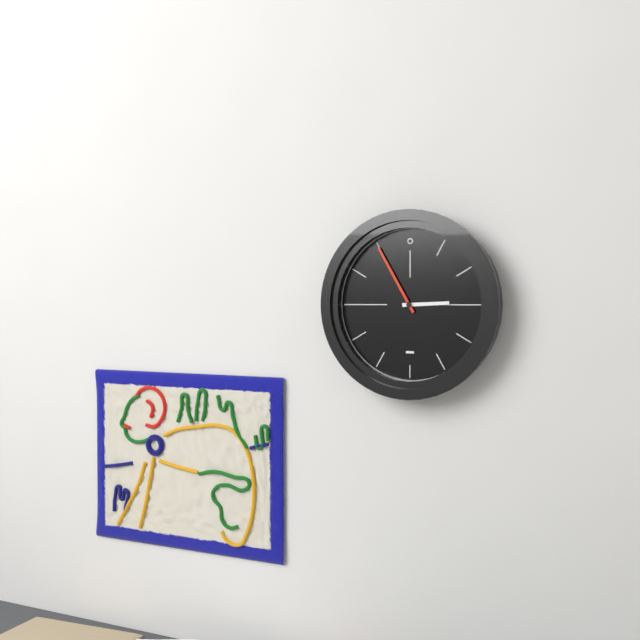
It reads 2,55
